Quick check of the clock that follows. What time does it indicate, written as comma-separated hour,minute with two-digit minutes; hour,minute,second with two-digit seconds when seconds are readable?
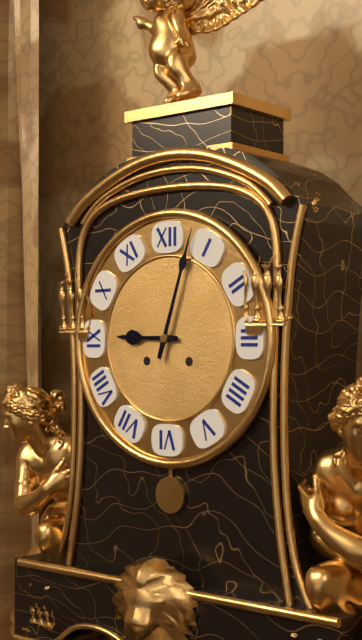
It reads 9,03
